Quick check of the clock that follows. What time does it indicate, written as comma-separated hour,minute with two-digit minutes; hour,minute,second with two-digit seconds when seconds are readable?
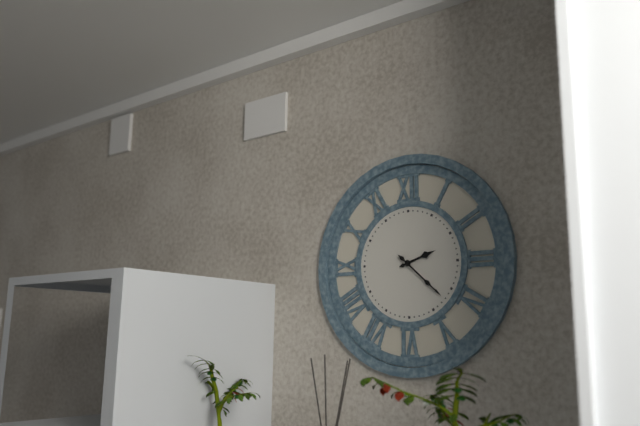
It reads 2,22
